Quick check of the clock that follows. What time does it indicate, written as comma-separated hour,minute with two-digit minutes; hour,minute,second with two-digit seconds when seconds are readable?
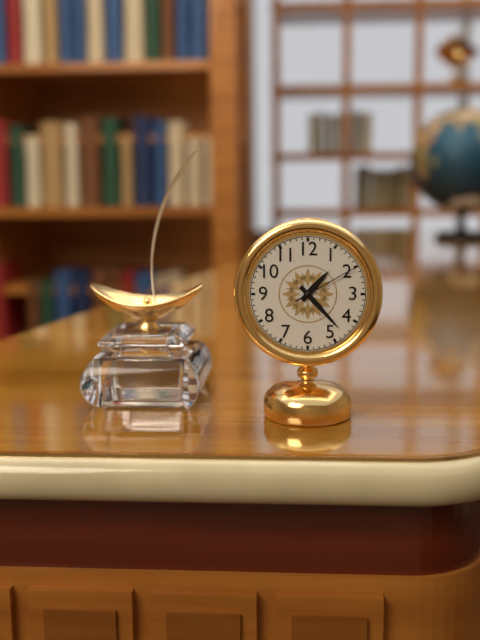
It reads 1,23,10
